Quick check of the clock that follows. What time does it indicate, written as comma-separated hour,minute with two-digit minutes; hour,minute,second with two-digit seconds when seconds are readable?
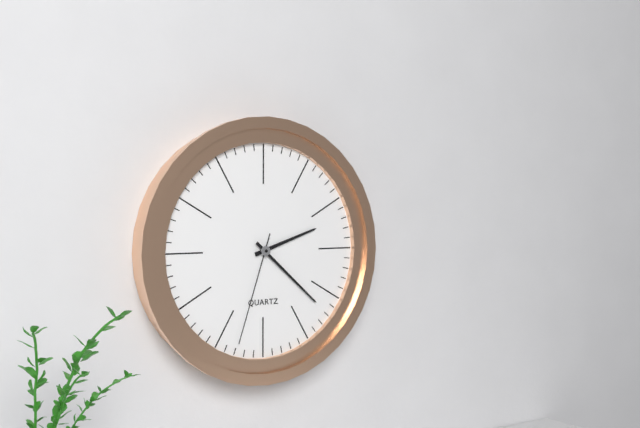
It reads 2,22,33
